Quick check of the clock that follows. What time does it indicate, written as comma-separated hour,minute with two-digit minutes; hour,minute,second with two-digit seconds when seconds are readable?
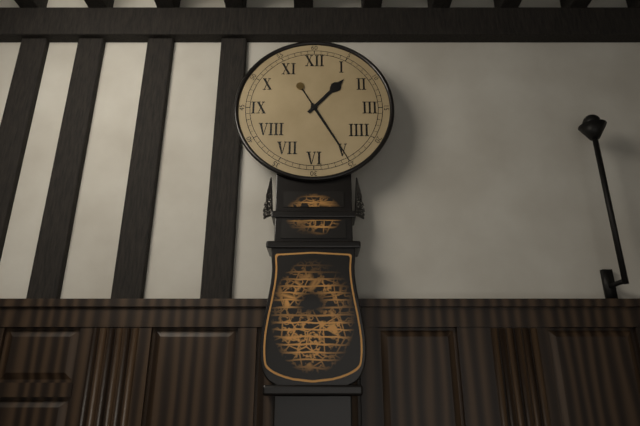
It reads 1,25
